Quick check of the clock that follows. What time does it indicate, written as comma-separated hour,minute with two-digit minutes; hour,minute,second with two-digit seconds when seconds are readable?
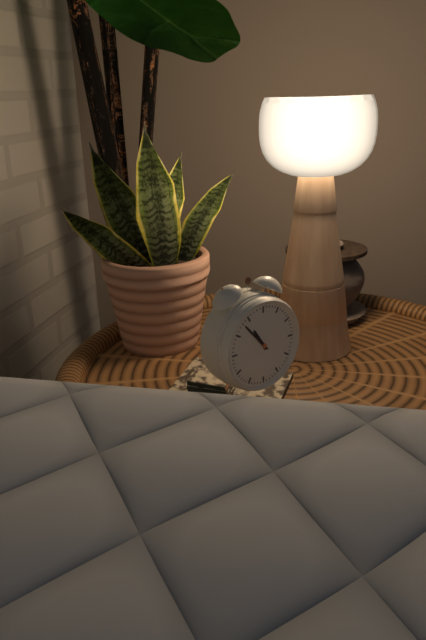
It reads 10,53
